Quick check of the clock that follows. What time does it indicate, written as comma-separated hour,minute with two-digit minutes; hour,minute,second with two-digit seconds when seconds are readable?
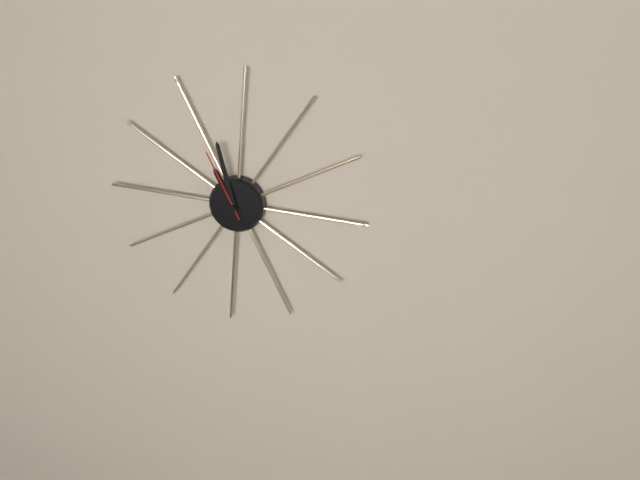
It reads 10,57,55
